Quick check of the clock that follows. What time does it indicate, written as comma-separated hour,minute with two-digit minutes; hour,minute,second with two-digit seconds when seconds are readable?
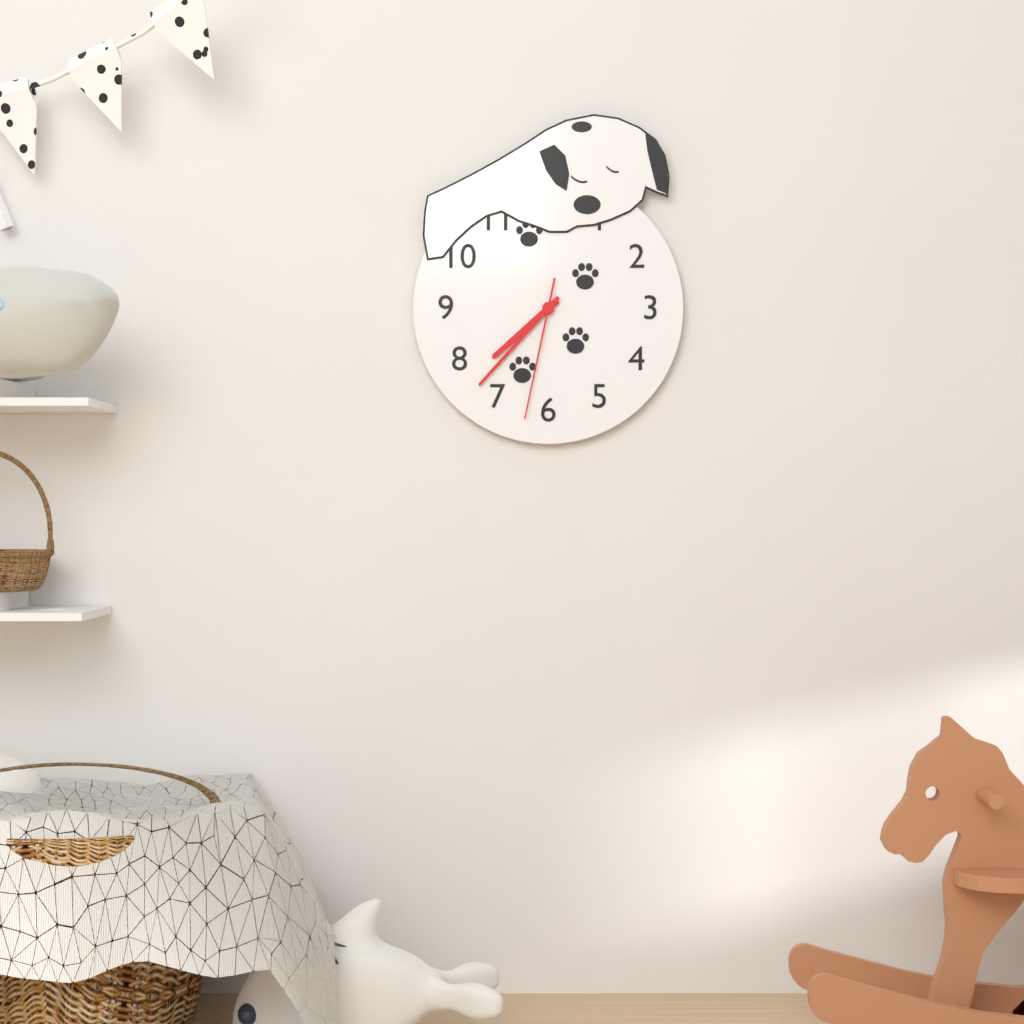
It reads 7,37,32
